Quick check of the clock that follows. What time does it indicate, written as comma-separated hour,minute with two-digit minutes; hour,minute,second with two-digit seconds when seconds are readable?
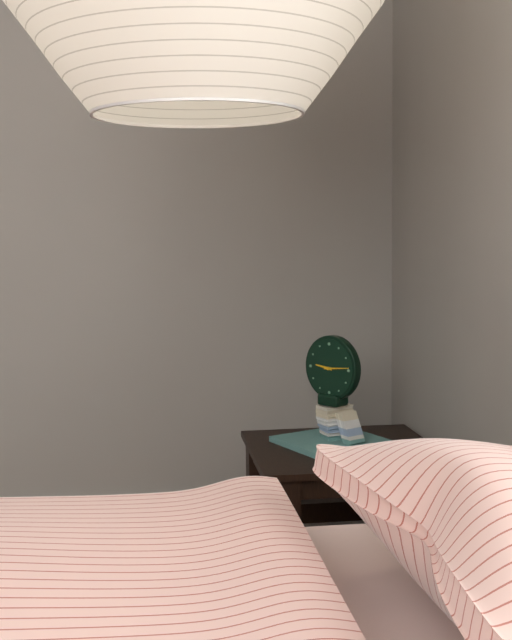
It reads 9,14
